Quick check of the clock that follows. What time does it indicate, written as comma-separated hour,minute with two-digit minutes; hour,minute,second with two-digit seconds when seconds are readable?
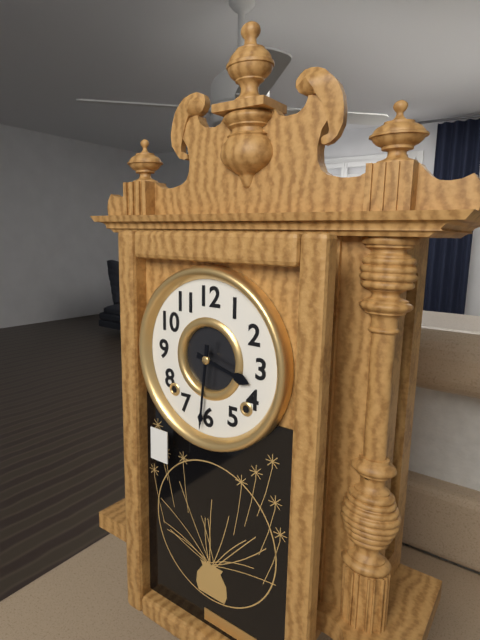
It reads 3,31
